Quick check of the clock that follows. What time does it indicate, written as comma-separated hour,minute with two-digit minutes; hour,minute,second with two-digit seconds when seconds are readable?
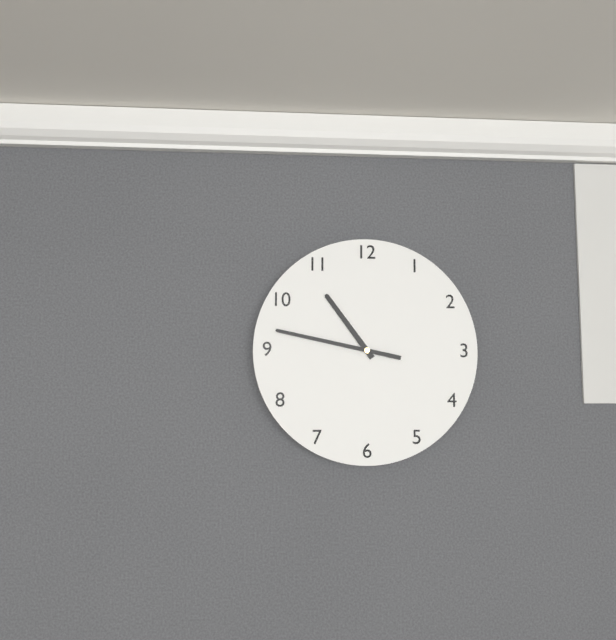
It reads 10,47
